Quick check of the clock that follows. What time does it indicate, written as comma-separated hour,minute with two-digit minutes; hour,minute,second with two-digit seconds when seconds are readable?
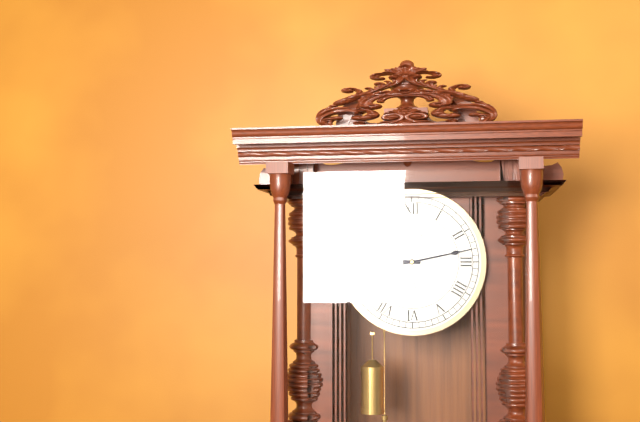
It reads 9,13
